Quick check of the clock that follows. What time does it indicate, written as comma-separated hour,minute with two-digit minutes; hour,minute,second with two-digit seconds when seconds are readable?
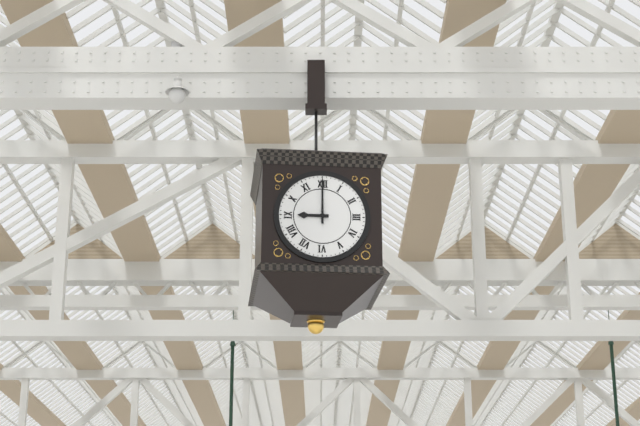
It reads 9,00
